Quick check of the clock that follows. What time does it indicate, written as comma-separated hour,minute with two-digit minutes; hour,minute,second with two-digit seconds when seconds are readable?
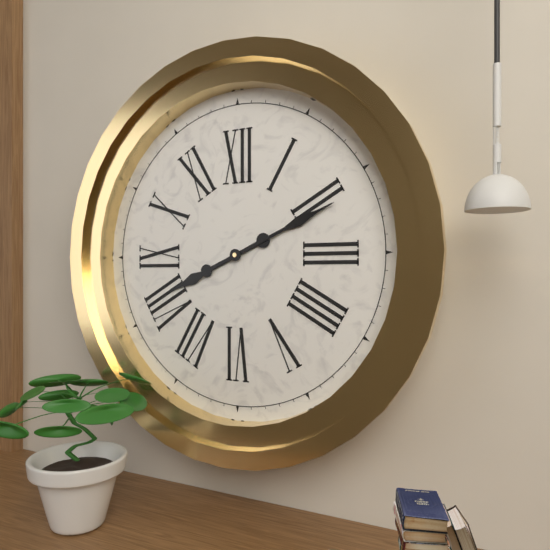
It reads 8,11
